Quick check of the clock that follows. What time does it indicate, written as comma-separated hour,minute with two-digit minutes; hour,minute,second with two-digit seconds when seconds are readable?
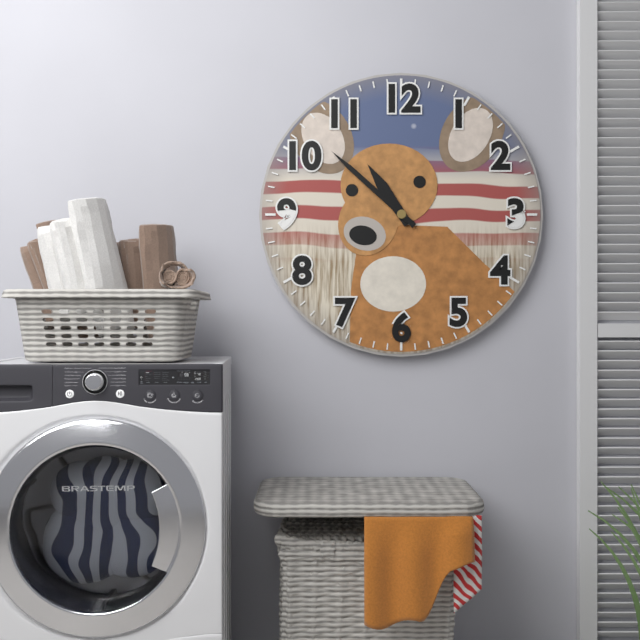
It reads 10,52
